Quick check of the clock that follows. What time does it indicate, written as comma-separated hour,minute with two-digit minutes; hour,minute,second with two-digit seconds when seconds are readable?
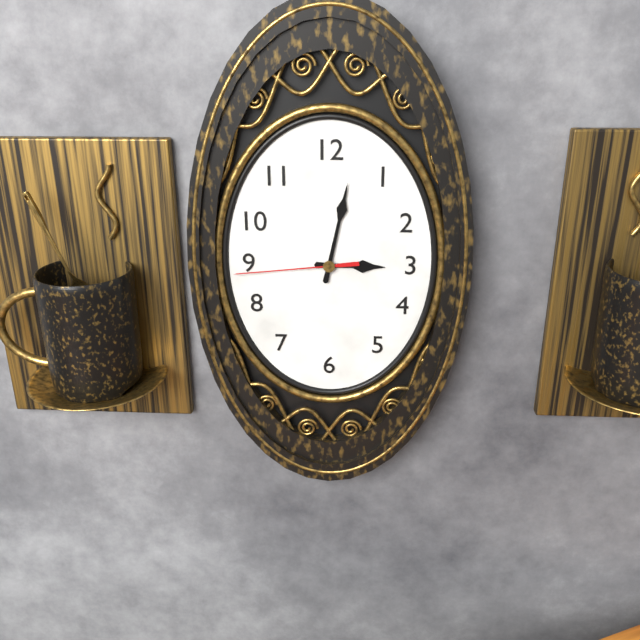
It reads 3,02,44
